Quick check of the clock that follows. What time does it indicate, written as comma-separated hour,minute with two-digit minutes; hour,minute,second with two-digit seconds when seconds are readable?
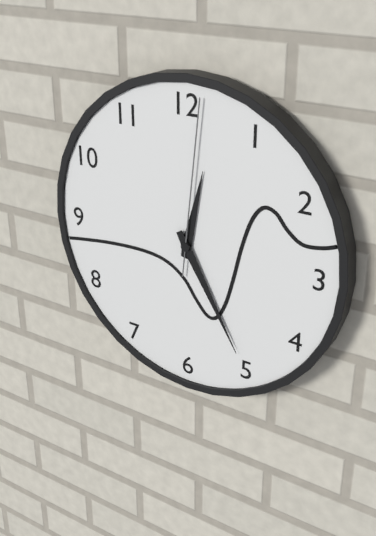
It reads 12,25,01
